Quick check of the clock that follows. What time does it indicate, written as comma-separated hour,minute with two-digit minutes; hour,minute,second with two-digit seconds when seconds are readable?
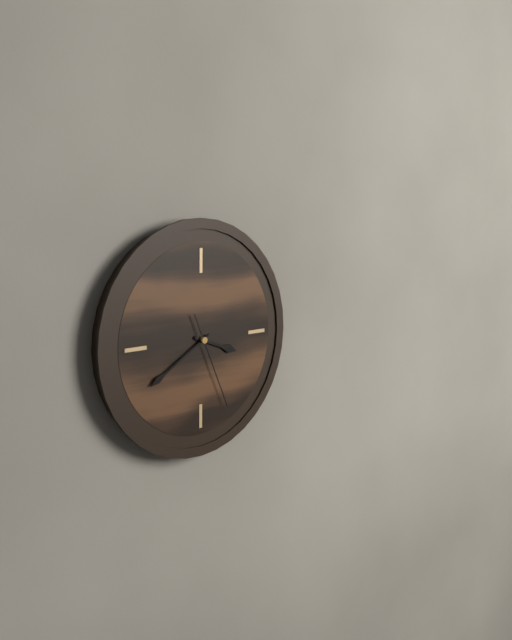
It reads 3,40,26
